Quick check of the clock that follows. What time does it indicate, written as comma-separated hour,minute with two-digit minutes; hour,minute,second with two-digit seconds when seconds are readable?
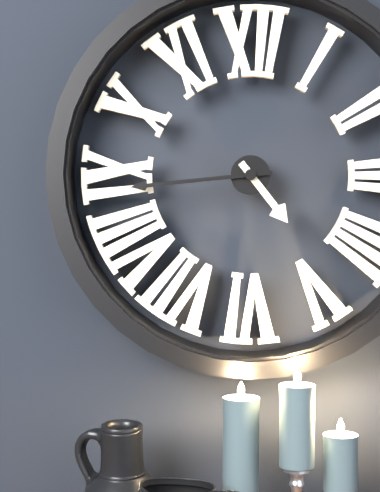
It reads 4,44
